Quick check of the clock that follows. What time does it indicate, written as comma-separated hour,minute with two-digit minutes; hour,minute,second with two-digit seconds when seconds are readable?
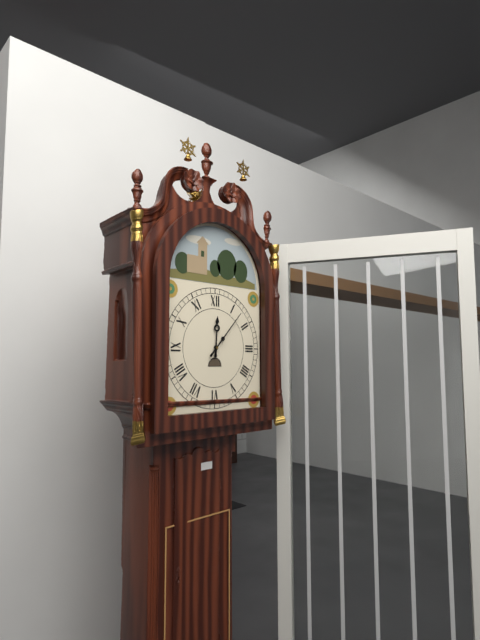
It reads 12,07
